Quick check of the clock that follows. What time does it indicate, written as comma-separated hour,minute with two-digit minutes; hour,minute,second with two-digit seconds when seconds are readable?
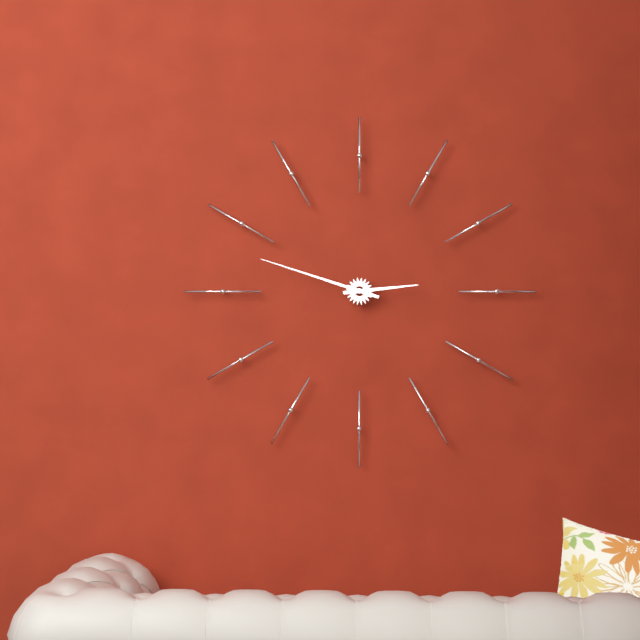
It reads 2,48
